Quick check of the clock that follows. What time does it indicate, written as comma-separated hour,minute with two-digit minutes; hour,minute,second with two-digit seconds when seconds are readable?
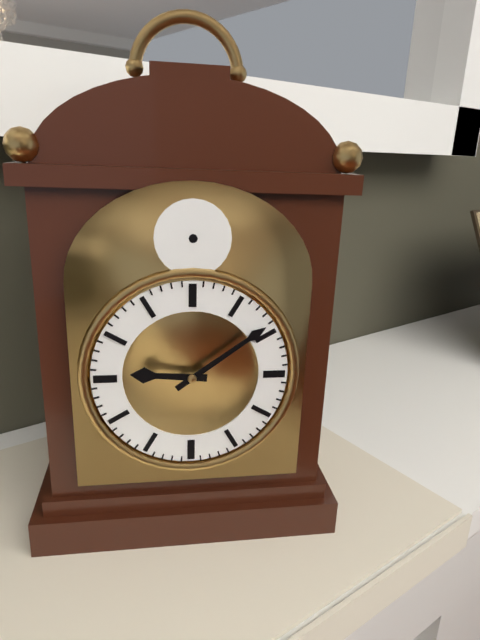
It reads 9,09
